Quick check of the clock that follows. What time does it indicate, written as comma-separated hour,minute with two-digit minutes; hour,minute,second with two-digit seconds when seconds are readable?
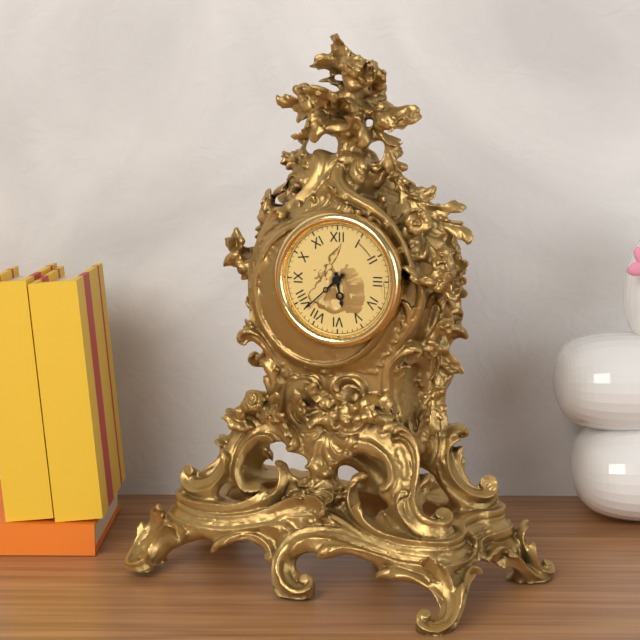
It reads 5,38
